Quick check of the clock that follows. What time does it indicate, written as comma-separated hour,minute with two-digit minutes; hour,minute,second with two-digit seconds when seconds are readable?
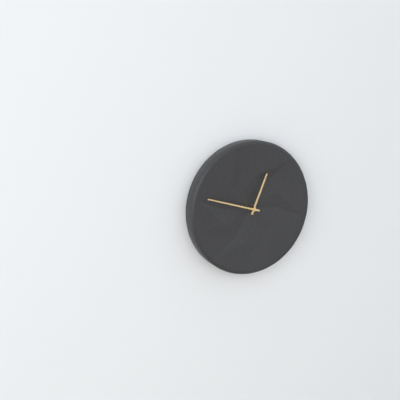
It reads 12,48
